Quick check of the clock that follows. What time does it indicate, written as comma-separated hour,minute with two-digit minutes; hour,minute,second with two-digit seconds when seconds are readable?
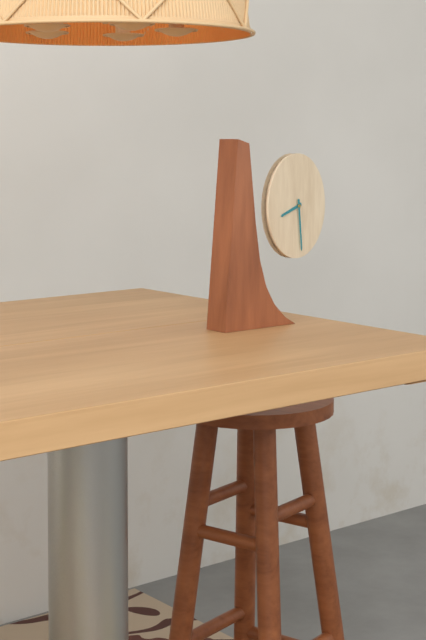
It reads 8,29
